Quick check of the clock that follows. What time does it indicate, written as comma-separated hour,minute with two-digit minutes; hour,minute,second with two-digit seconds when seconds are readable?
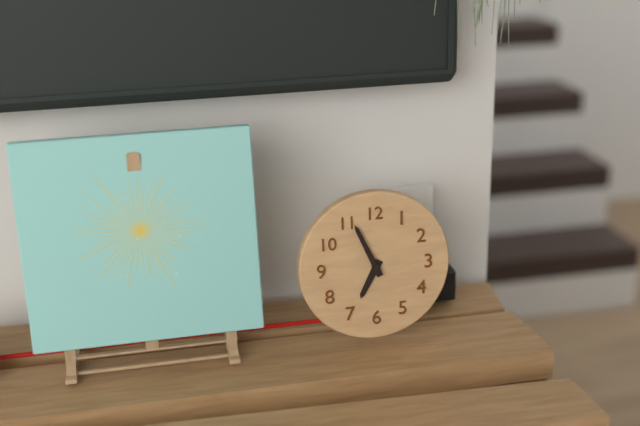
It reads 6,56
